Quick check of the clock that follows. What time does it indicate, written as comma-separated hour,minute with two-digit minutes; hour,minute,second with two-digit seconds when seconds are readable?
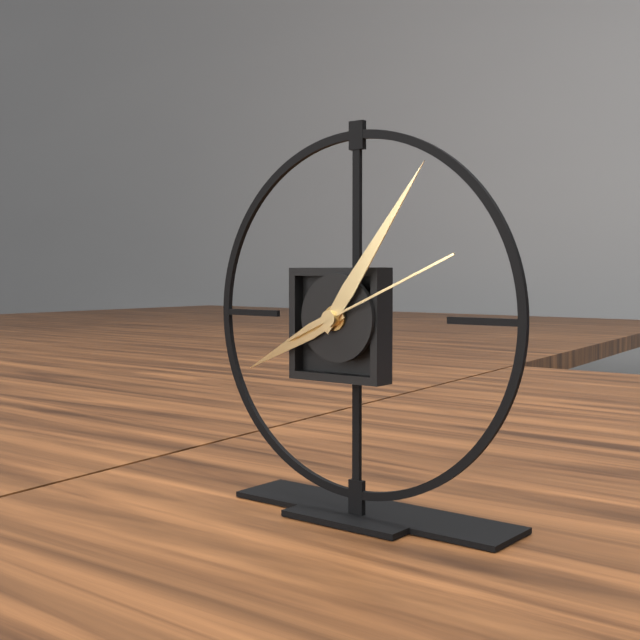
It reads 8,06,11
